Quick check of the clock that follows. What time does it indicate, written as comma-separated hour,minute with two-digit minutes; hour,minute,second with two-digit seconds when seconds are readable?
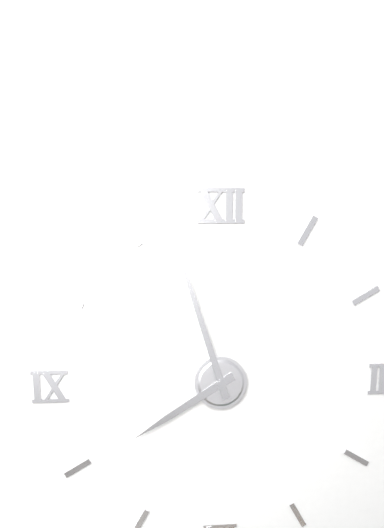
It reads 7,57
